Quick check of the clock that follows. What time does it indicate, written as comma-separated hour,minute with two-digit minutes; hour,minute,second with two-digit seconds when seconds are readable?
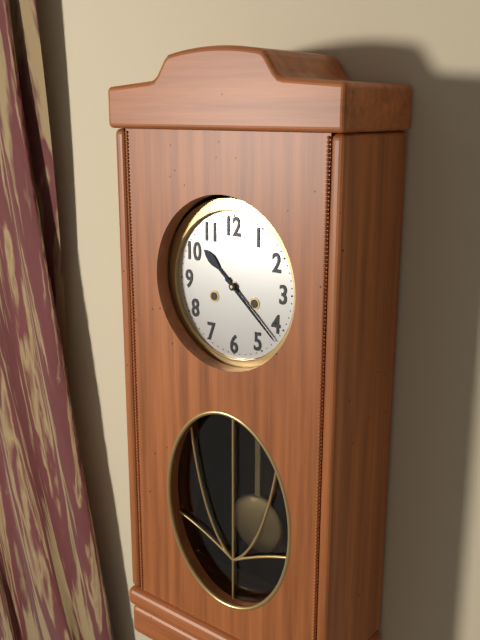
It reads 10,22
